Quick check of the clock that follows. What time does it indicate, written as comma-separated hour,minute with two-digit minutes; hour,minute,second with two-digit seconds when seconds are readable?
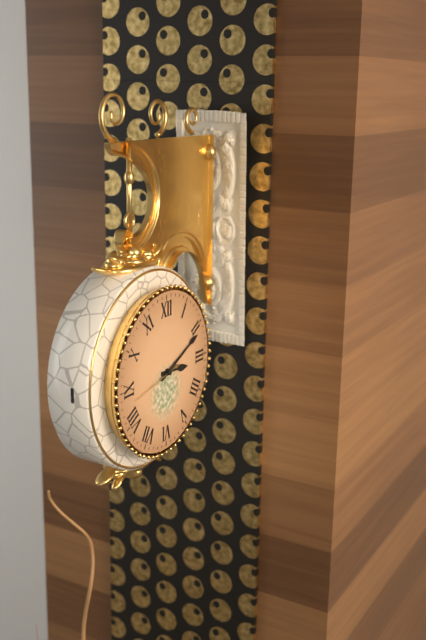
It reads 3,11
